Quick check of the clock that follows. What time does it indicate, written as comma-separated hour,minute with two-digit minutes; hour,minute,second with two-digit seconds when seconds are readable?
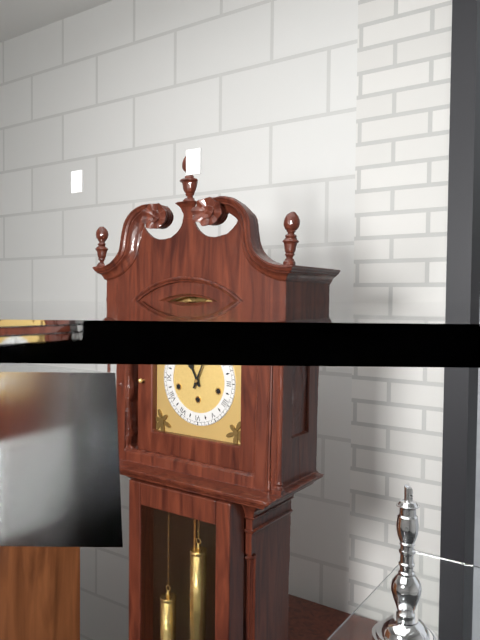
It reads 11,04
